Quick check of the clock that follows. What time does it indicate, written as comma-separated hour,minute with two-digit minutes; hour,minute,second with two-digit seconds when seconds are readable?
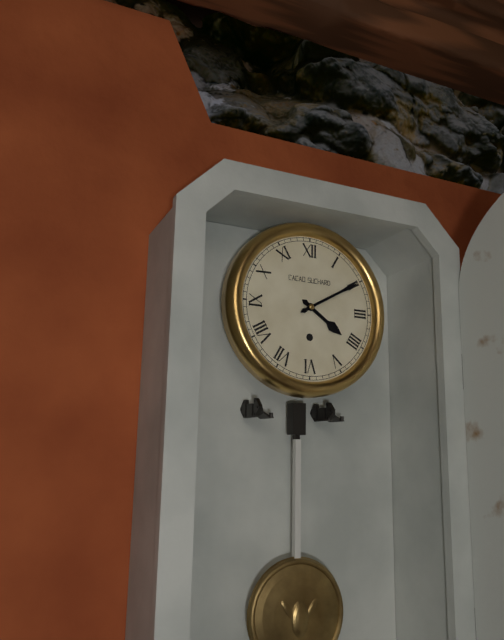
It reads 4,10
